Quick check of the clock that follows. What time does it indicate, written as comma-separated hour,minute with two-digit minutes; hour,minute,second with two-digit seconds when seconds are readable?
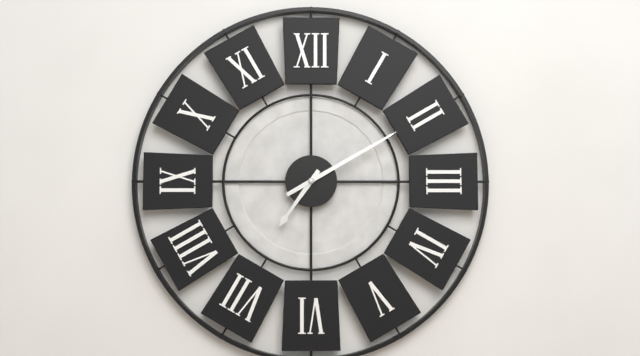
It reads 7,10
